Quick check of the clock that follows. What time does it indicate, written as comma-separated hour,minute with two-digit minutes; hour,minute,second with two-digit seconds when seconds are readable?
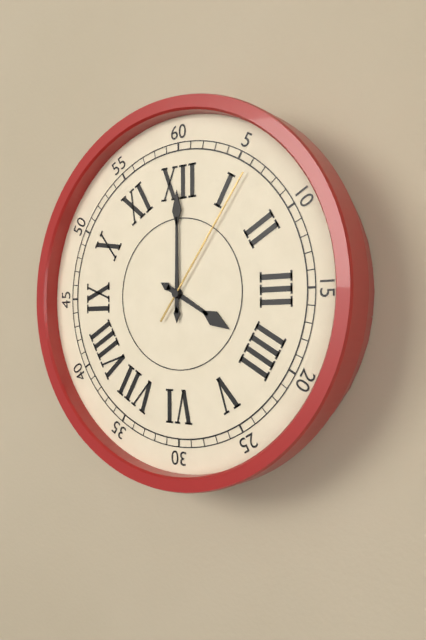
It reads 4,00,06
